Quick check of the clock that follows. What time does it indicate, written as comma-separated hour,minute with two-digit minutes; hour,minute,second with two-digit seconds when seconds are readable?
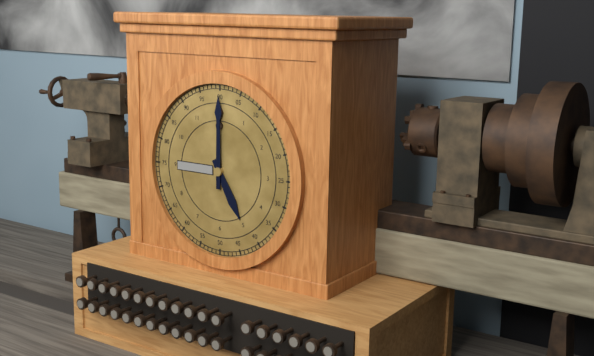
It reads 5,00
